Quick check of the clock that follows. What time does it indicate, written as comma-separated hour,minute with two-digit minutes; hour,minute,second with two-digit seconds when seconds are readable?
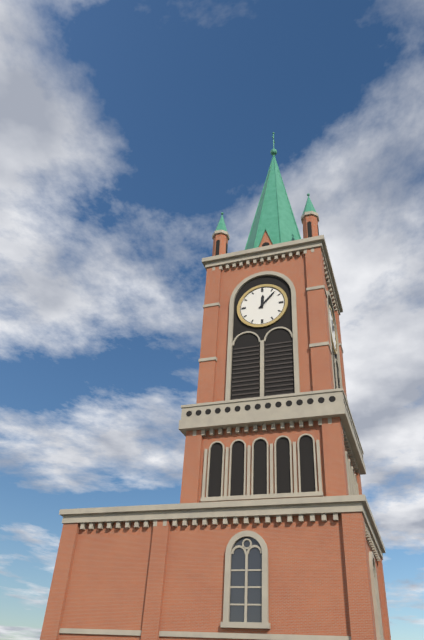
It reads 12,07
